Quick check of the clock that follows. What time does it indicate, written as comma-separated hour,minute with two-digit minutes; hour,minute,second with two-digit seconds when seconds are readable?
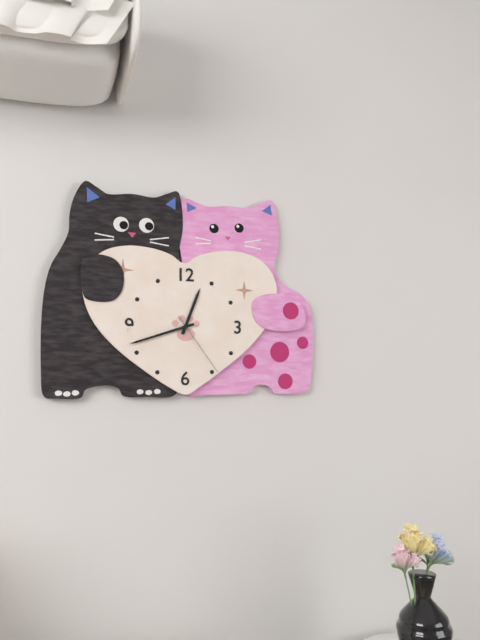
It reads 12,42,24
